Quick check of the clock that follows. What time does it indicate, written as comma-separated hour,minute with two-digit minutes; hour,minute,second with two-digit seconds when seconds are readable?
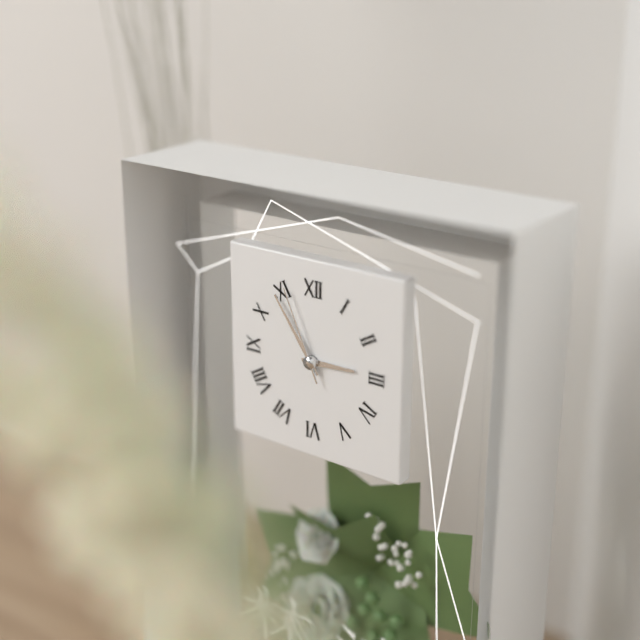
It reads 2,54,56
